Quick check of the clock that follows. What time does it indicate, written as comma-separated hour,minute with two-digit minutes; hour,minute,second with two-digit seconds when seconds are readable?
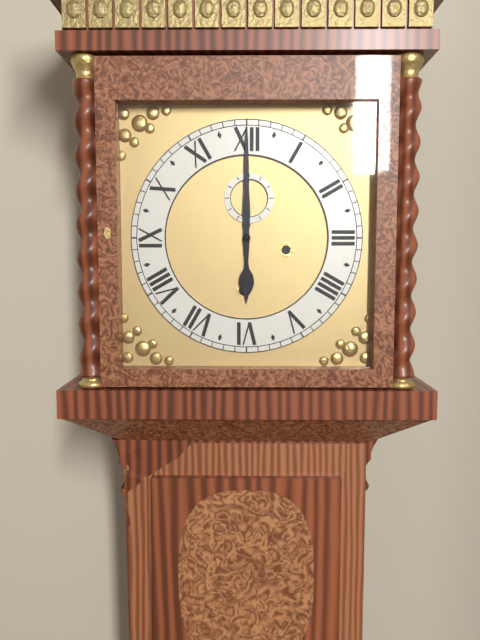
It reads 6,00
